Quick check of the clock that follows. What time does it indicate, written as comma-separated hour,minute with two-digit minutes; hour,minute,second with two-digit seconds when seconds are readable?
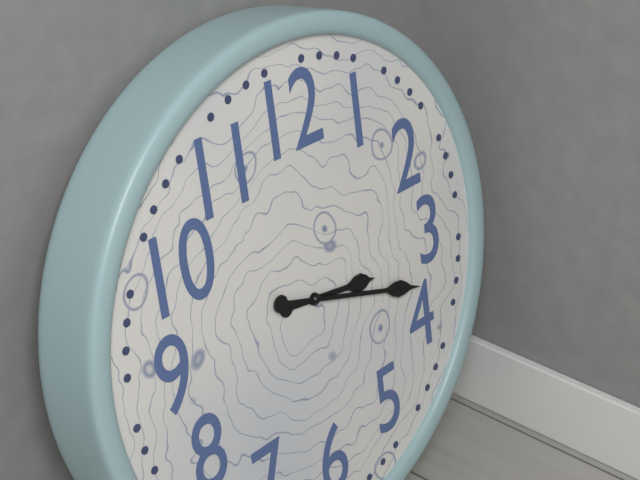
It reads 3,18
